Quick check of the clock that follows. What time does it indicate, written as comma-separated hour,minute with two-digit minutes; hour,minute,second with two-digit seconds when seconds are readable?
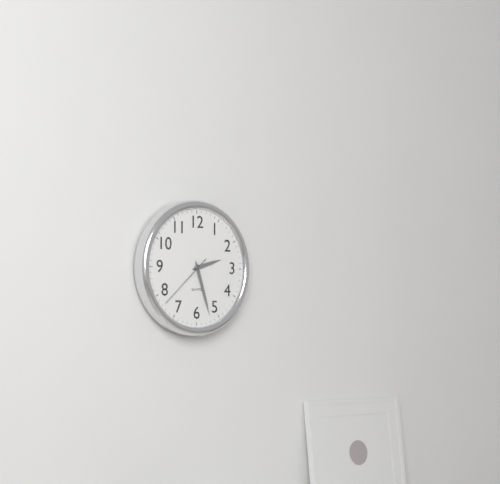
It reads 2,27,38
